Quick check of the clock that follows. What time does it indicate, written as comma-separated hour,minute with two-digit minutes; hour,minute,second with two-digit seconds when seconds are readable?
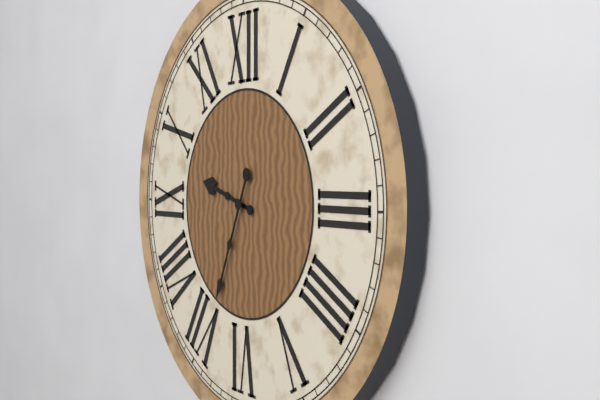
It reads 9,34
